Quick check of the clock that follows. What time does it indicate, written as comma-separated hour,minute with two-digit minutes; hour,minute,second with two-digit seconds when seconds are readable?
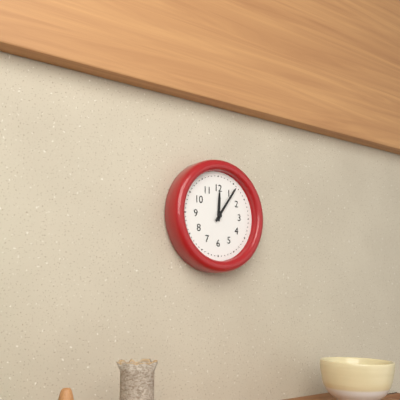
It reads 12,06
